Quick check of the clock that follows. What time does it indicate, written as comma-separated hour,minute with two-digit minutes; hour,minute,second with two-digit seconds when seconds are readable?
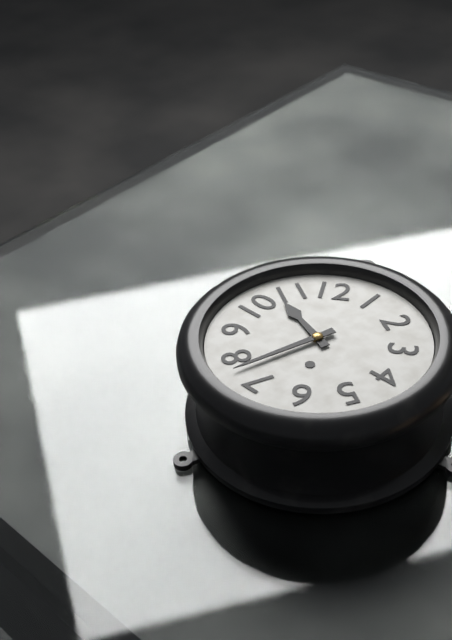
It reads 10,38
